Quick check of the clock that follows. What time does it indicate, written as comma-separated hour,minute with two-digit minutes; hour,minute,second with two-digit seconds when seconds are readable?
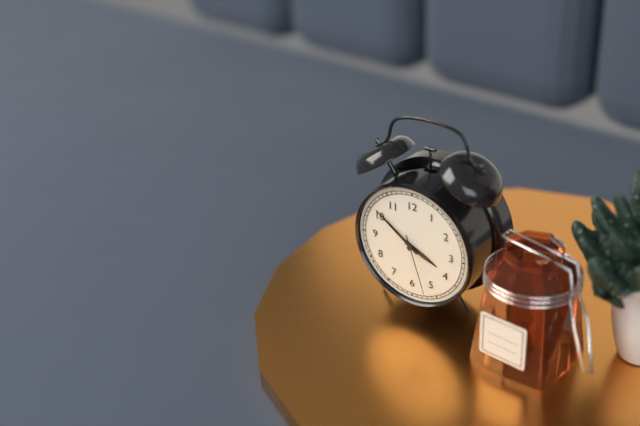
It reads 3,51,27
